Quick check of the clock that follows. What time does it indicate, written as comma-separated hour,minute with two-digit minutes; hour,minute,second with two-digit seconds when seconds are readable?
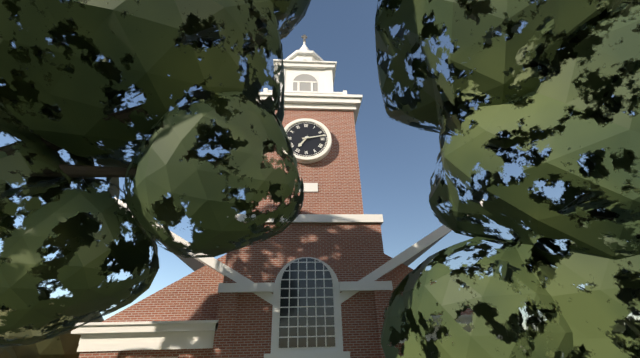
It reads 7,13
